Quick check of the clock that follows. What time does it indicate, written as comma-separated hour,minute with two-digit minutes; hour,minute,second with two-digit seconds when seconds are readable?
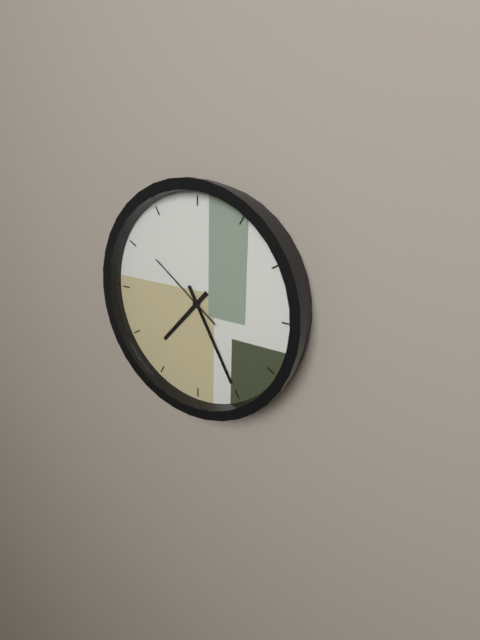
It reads 7,25,51
